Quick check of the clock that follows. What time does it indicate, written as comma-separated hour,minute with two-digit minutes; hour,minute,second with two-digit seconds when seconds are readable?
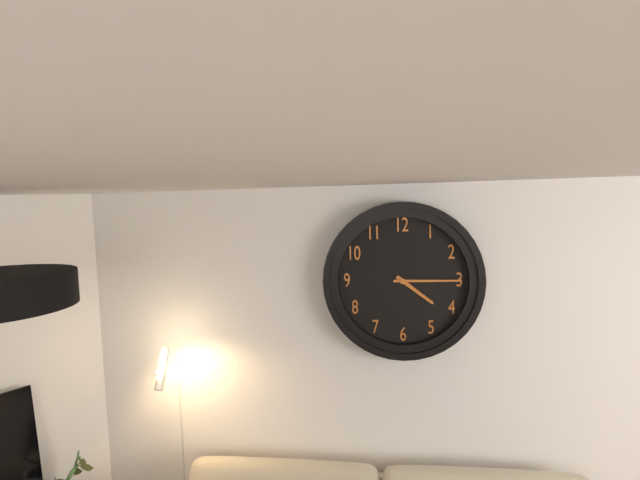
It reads 4,15
